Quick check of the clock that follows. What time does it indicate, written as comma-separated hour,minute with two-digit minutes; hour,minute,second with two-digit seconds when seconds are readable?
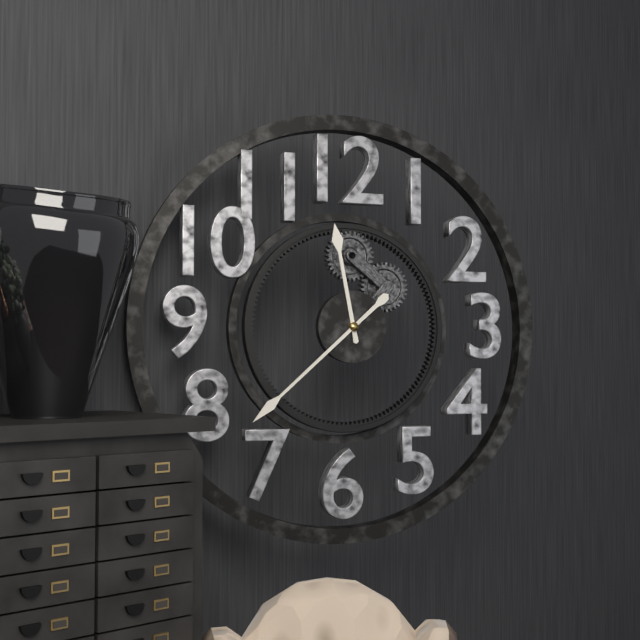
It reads 11,38
